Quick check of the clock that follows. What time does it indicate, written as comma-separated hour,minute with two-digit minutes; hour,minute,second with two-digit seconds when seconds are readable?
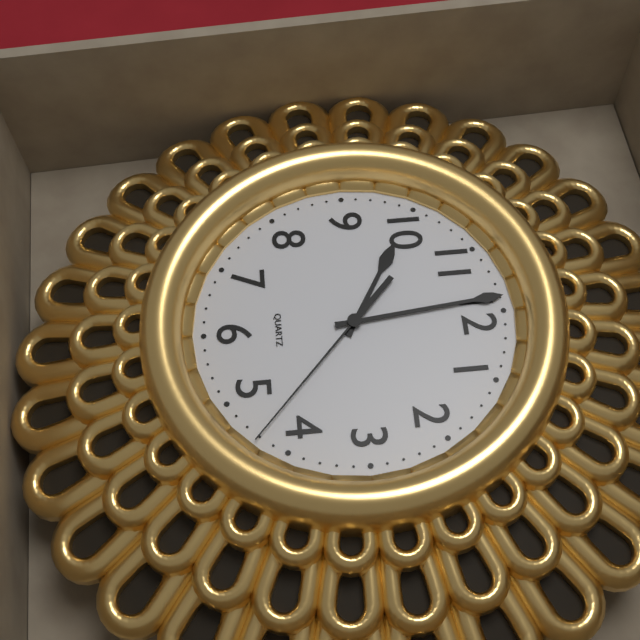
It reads 9,59,22
